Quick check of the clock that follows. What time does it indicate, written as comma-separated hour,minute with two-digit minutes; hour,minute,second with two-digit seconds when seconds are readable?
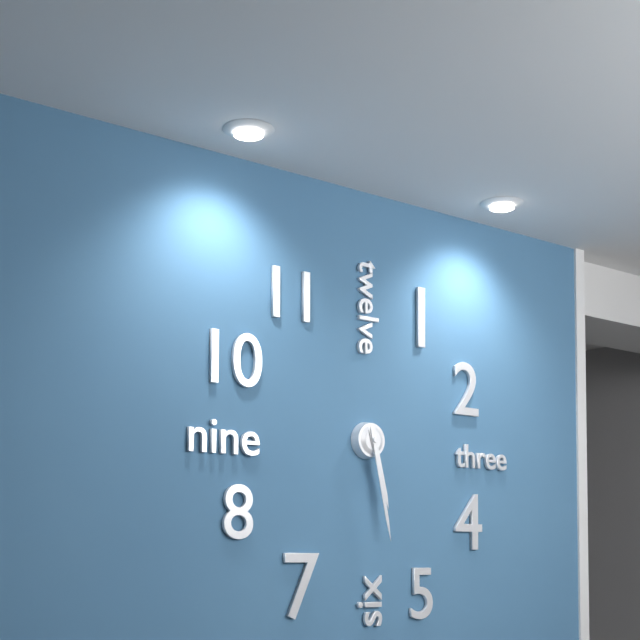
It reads 5,28
